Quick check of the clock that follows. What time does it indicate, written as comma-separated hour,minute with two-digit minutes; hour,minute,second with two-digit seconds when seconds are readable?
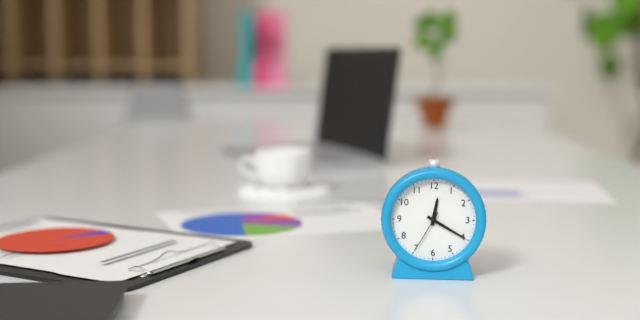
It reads 12,20
